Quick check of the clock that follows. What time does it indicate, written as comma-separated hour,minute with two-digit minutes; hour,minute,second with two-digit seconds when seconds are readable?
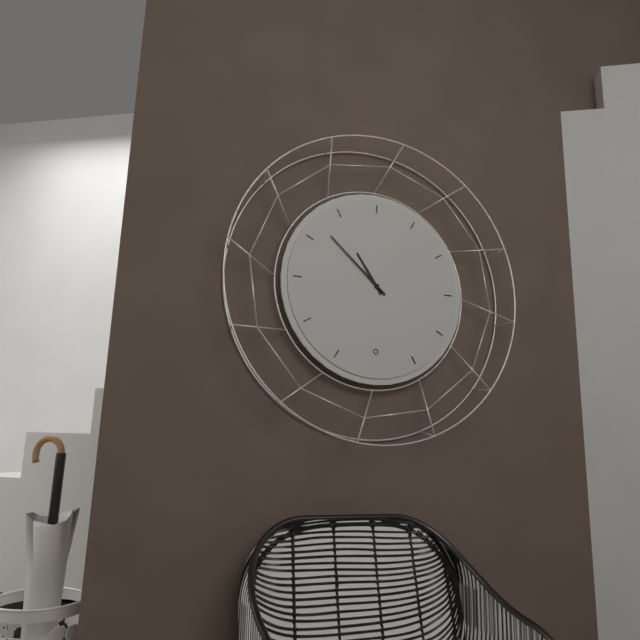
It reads 10,52
